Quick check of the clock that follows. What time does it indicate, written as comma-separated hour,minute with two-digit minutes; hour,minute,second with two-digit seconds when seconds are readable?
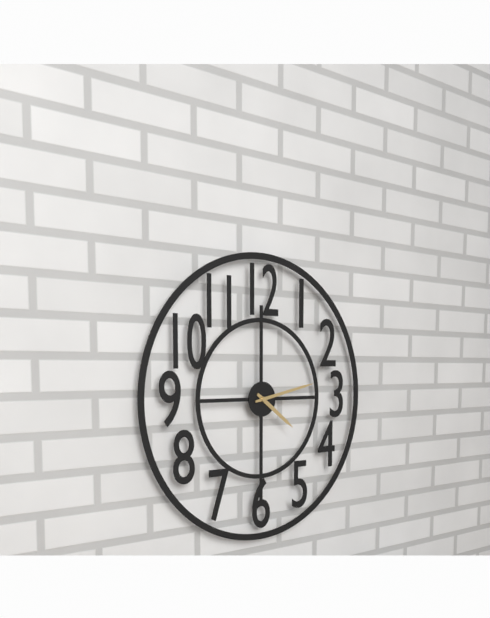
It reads 4,13
